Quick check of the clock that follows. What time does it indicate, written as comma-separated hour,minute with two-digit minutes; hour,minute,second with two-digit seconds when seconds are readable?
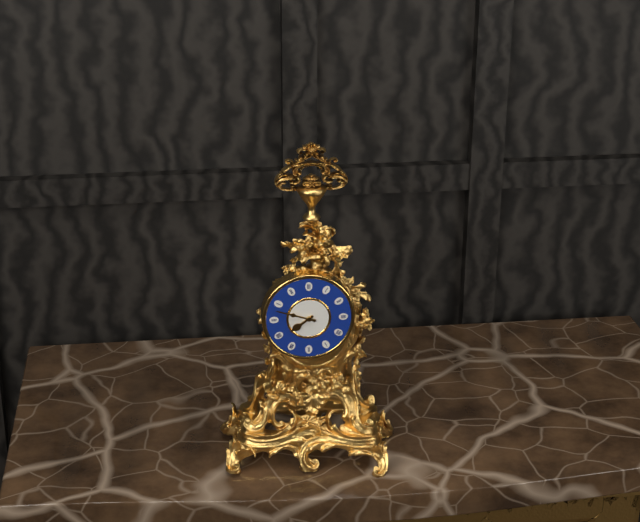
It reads 7,48
